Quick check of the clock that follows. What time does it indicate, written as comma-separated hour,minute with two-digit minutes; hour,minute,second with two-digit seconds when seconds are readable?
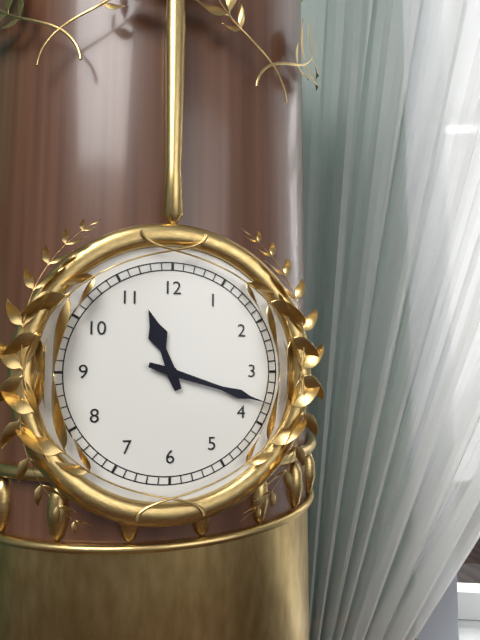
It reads 11,18
